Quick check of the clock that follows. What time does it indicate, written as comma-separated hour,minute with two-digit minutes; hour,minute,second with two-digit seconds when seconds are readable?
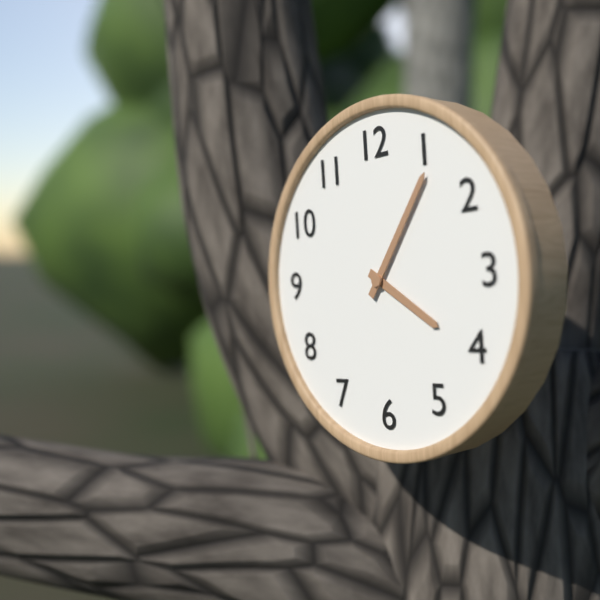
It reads 4,06
